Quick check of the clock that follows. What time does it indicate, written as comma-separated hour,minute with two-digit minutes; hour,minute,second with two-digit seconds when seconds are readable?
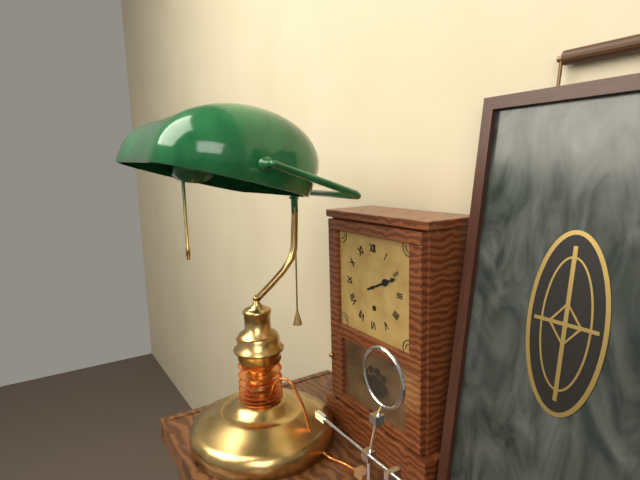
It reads 2,11
